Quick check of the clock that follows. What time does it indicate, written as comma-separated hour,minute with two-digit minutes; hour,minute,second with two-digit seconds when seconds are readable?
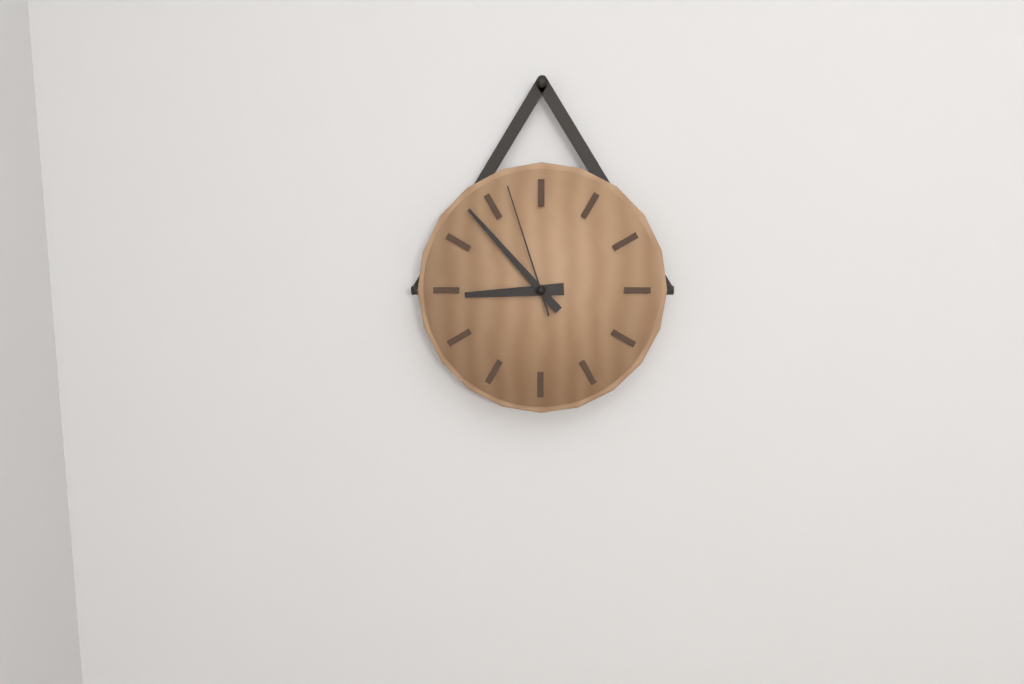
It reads 8,53,57
